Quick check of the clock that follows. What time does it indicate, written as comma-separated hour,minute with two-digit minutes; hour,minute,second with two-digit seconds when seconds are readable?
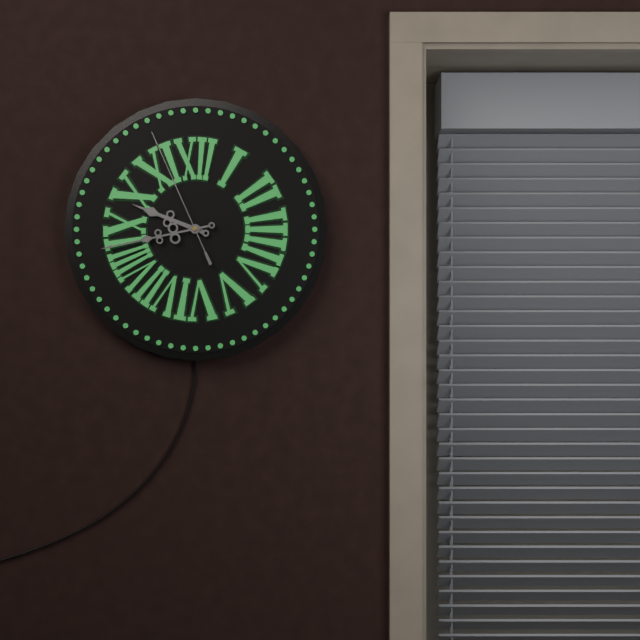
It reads 9,43,56
